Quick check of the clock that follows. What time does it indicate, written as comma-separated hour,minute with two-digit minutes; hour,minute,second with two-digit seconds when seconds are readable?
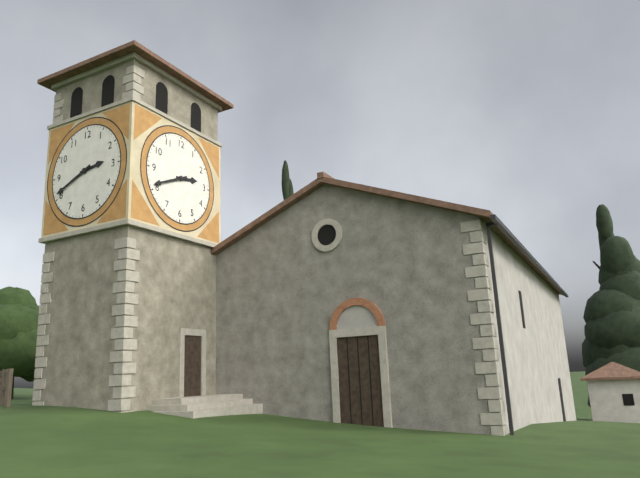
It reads 2,41
